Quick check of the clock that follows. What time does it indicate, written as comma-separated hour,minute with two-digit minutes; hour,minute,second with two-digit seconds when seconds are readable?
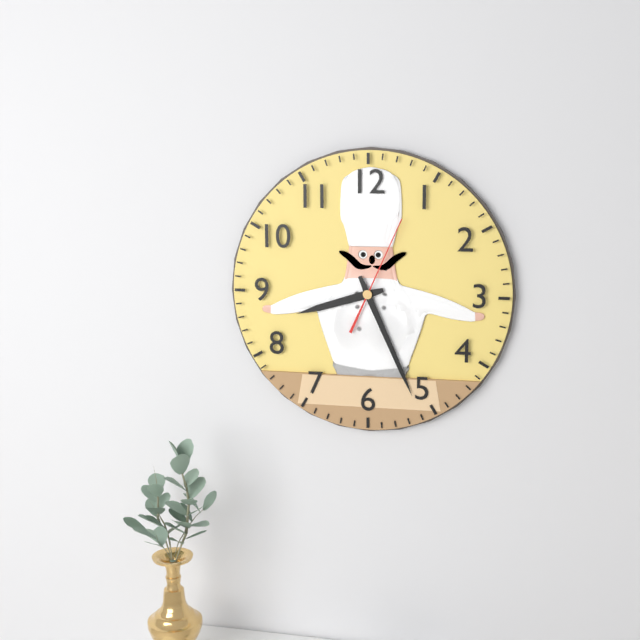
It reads 8,26,04
